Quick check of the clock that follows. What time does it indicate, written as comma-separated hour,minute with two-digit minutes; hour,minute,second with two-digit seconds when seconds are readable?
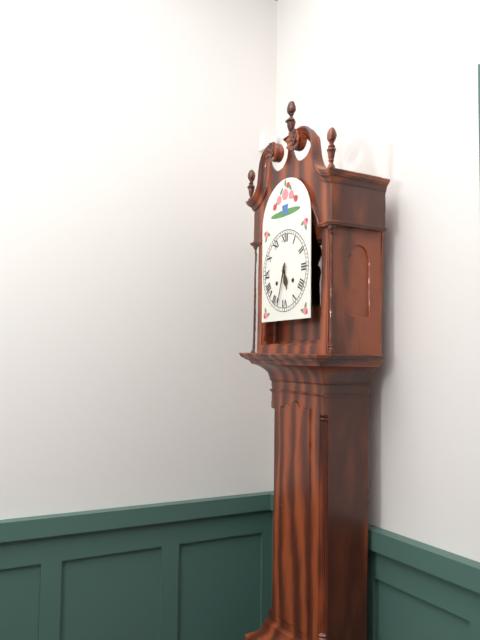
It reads 5,33
